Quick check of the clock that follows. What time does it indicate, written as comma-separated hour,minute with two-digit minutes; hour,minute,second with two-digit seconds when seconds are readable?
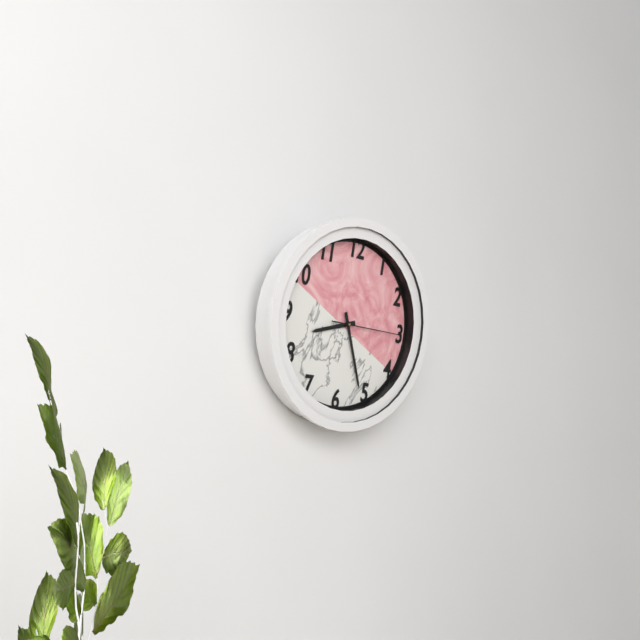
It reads 8,26,15
